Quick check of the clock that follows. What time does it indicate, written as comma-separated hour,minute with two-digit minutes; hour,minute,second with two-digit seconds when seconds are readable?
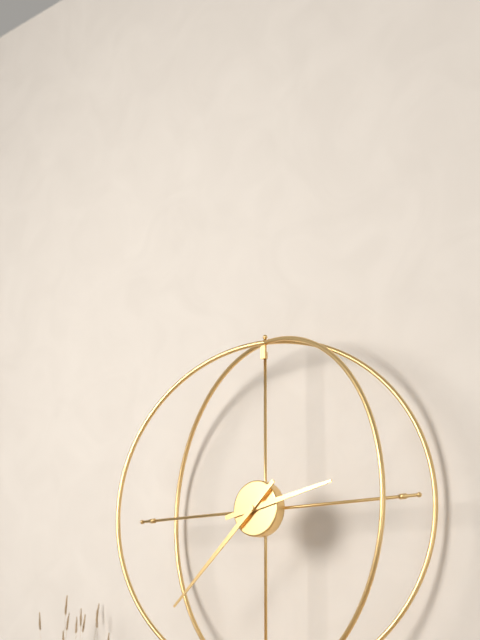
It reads 2,38
